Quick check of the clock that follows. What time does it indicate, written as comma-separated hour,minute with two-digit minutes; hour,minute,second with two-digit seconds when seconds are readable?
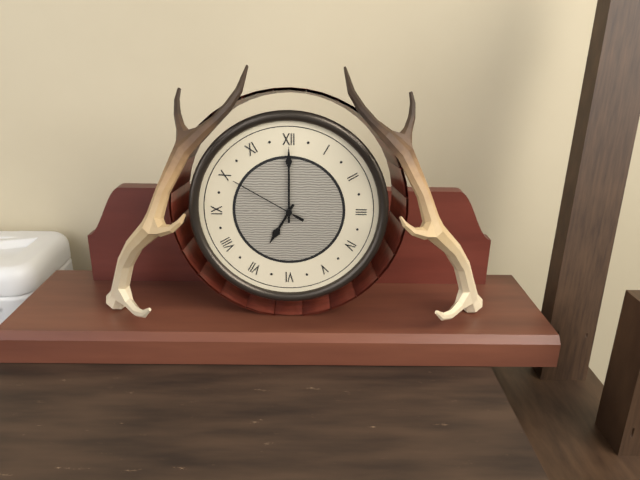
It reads 7,00,50
